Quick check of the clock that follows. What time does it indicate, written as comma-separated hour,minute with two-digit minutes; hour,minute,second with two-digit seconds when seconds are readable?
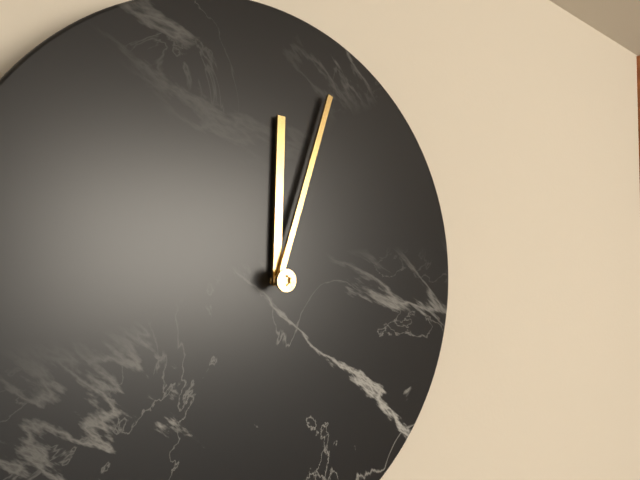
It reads 12,03
